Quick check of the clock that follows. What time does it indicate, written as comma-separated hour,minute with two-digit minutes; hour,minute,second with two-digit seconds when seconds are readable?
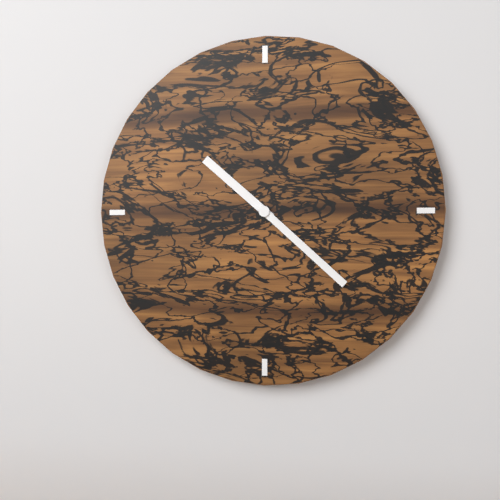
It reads 10,22
